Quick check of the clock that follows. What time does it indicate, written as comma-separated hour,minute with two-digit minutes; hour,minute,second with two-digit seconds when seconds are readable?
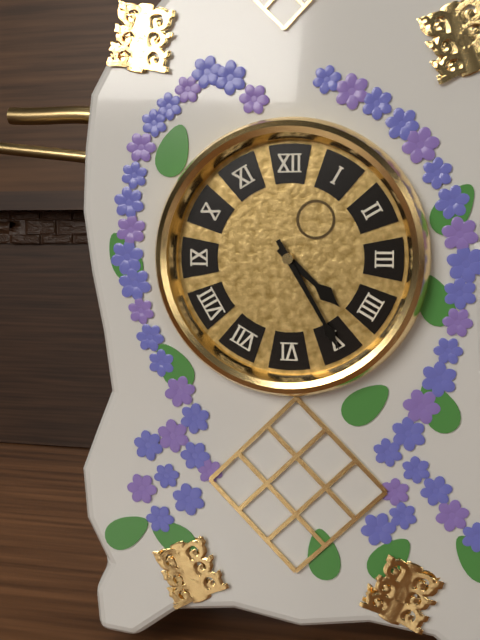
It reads 4,25
